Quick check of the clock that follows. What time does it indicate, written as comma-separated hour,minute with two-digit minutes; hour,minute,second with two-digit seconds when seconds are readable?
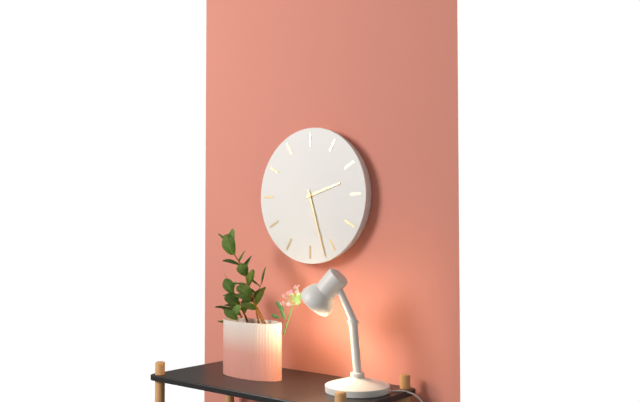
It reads 2,27
